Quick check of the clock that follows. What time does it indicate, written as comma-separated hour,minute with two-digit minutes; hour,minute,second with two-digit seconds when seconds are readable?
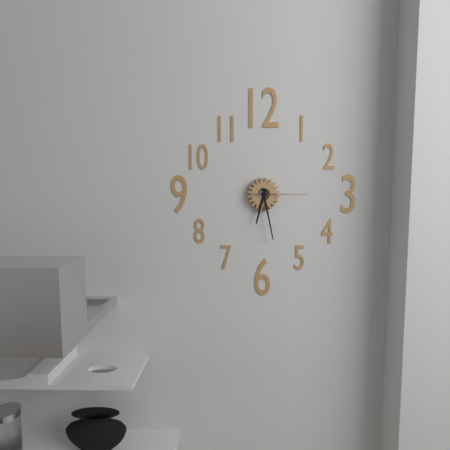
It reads 6,28,15
